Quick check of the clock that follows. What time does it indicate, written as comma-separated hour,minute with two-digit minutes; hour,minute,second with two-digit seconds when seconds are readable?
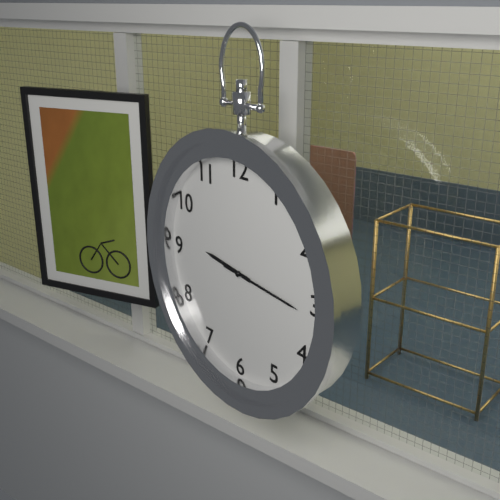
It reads 9,16
